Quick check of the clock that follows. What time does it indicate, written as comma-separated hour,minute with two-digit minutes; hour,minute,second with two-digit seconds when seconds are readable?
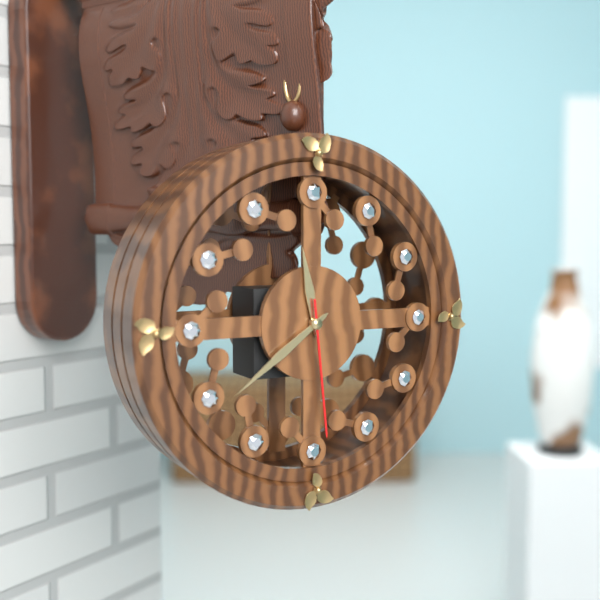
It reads 11,39,29
